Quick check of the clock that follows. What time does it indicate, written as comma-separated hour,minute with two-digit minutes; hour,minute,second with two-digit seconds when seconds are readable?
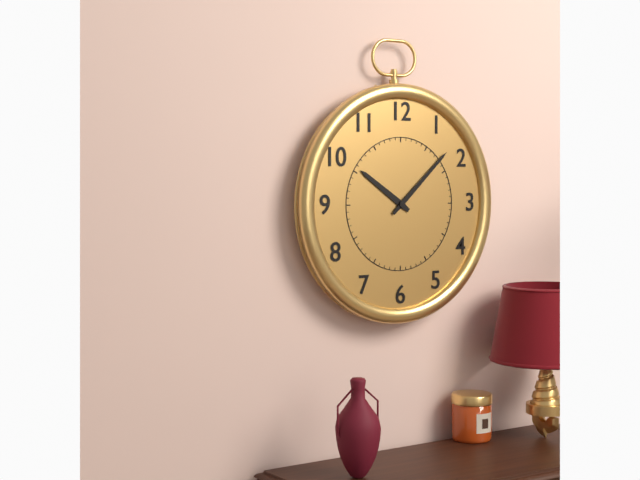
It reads 10,08
